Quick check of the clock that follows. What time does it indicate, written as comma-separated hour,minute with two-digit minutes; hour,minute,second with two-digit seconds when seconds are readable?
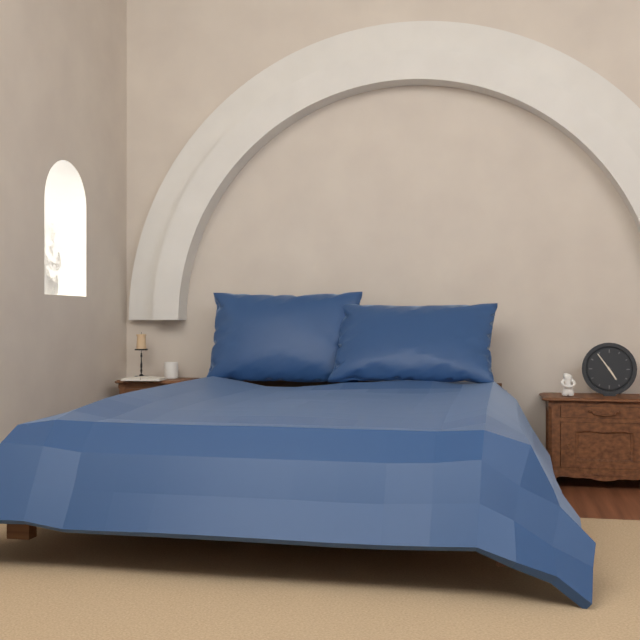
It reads 4,54
